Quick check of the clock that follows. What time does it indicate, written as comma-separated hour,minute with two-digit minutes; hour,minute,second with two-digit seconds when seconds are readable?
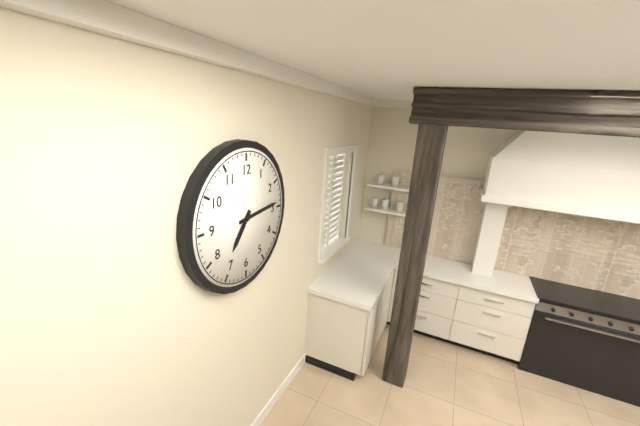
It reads 7,14
